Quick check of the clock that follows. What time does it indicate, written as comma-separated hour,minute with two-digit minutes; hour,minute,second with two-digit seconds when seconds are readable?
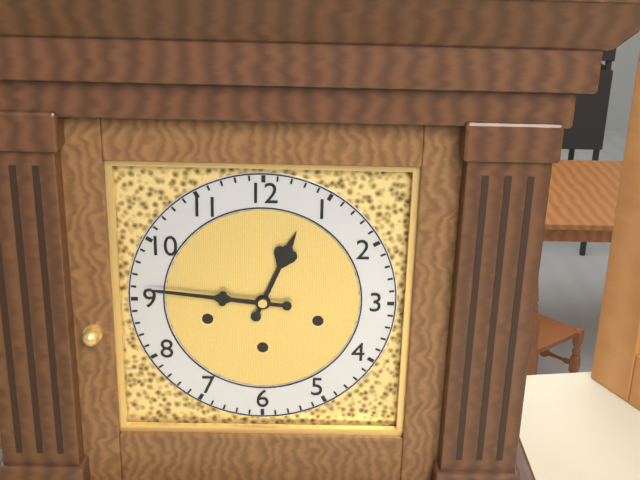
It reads 12,46
